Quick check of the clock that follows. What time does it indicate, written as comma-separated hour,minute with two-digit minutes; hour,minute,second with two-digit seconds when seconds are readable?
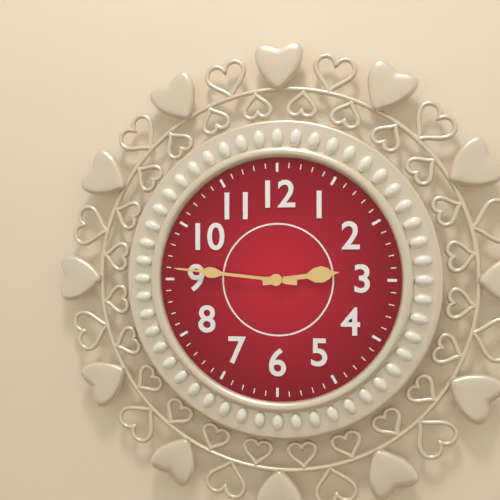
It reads 2,46
